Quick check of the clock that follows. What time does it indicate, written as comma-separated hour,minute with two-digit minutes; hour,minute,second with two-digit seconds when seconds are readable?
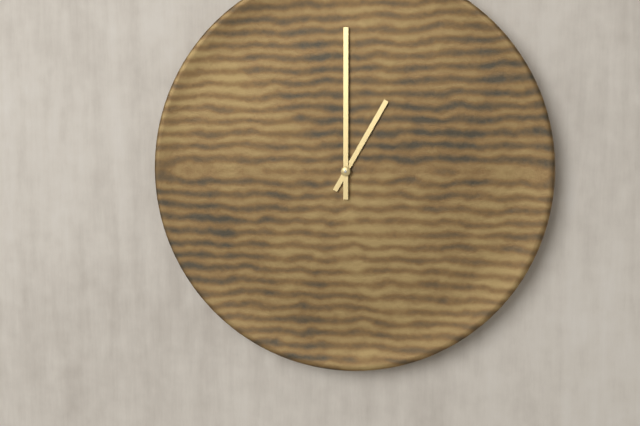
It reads 1,00
